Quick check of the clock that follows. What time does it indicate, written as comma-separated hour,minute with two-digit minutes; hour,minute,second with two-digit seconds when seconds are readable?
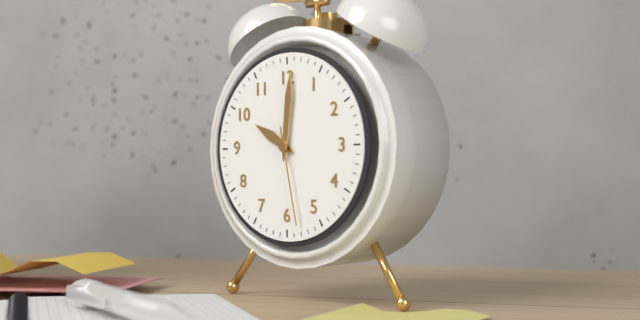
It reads 10,01,28
